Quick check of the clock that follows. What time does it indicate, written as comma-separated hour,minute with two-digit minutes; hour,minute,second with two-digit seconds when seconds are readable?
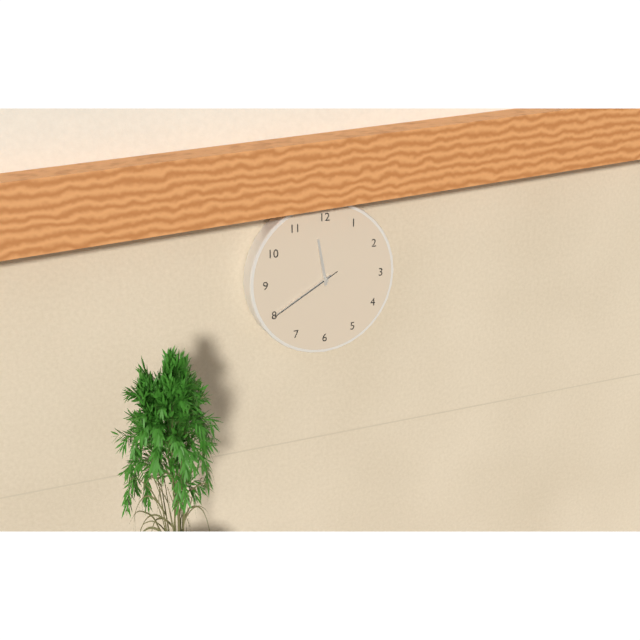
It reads 11,40,40
